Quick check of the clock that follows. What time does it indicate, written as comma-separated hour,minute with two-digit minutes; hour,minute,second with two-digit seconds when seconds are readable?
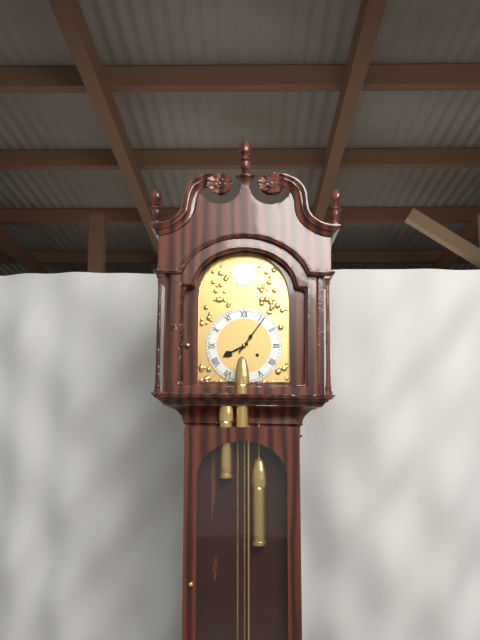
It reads 8,06
